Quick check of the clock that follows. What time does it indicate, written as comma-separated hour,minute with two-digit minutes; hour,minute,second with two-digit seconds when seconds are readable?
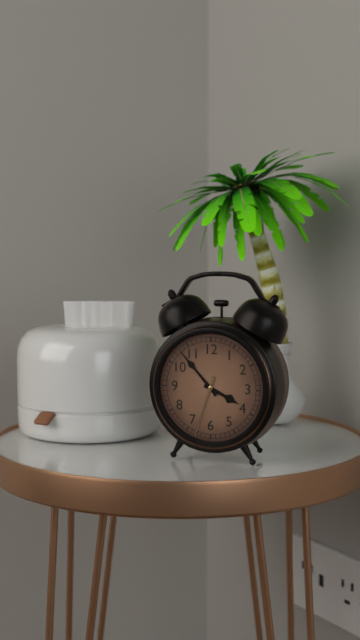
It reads 3,53,33
